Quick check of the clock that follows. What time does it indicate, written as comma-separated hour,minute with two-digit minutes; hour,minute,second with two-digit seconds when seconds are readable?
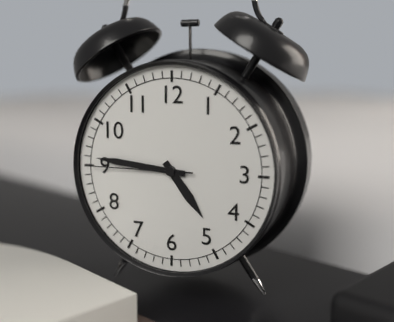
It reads 4,46,45
